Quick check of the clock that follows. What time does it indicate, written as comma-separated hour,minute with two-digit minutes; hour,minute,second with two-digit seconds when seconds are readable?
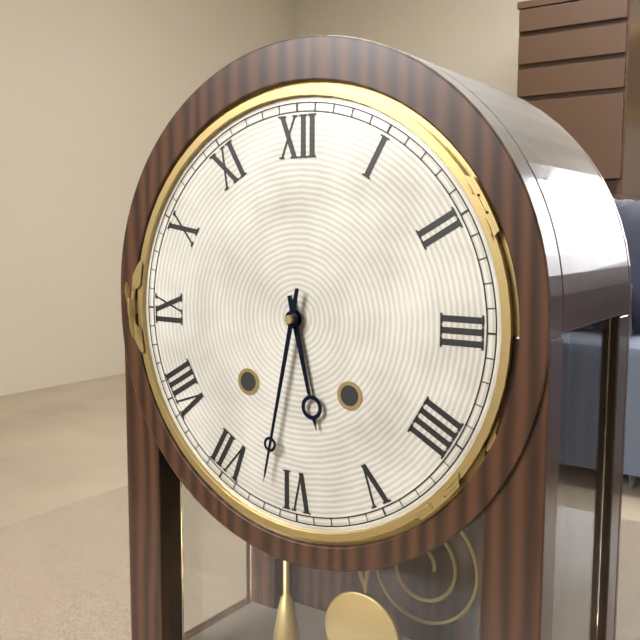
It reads 5,32
